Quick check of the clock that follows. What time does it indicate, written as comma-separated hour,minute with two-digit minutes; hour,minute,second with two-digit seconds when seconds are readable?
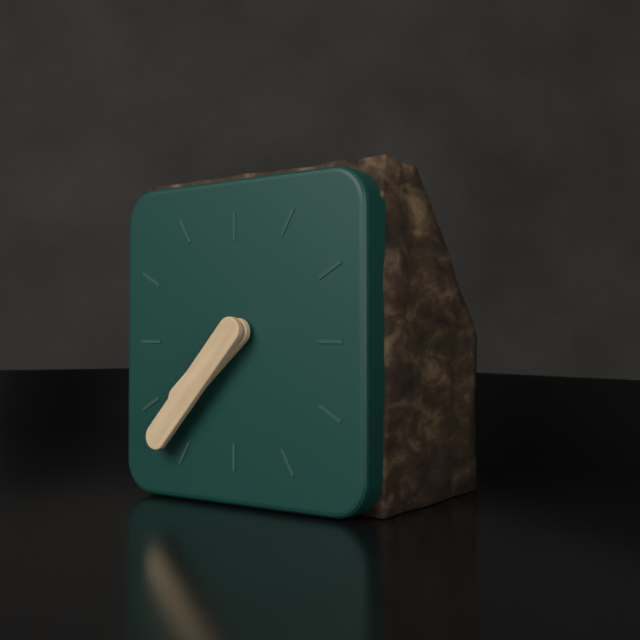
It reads 7,37
